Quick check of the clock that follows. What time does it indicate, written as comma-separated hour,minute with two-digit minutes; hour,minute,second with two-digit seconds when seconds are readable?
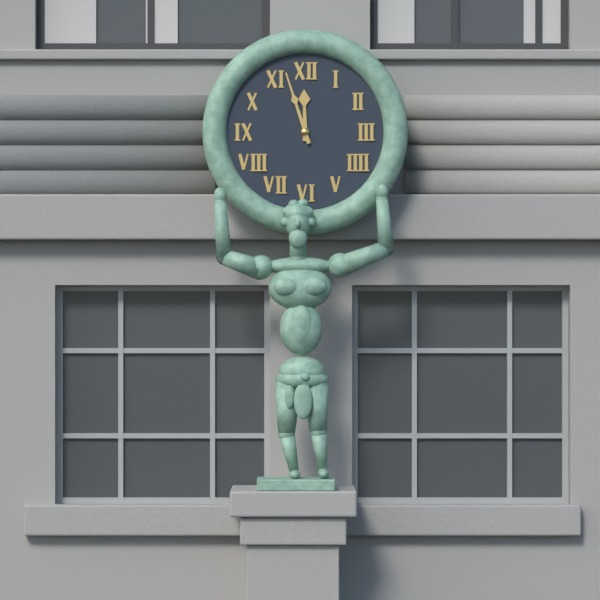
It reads 11,57
